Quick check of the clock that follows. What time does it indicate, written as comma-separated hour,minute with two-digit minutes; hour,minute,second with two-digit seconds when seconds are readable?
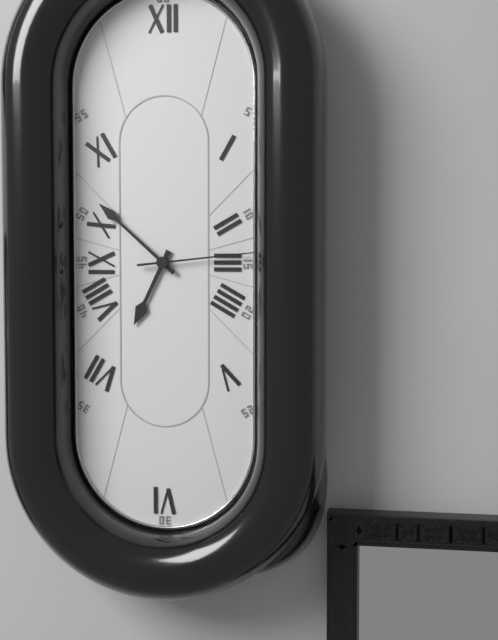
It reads 6,52,14
